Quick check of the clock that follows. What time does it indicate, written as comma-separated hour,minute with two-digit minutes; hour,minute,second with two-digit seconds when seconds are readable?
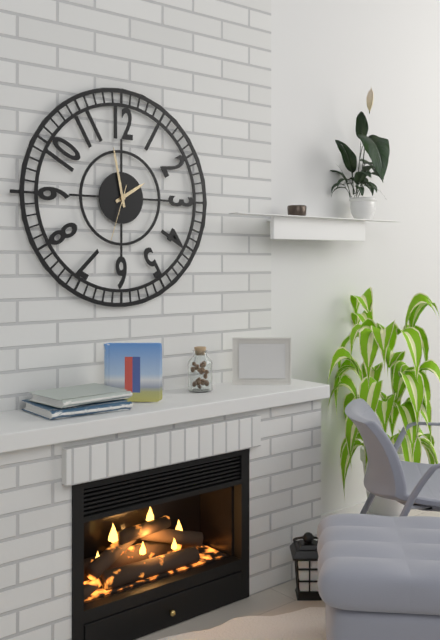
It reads 1,58,33
